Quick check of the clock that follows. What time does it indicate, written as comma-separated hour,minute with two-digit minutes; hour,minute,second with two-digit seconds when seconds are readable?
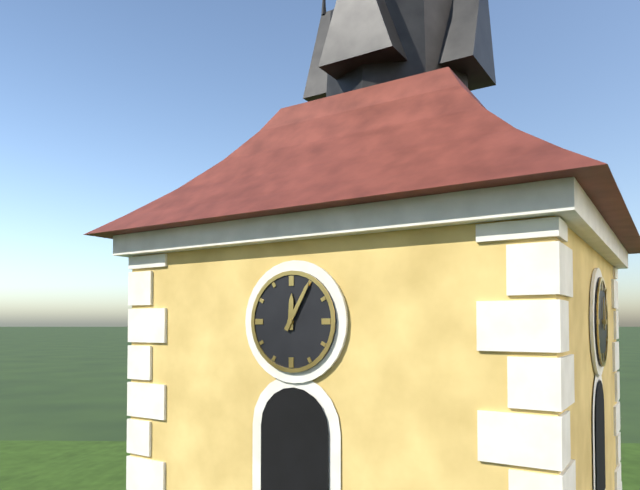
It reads 12,05
